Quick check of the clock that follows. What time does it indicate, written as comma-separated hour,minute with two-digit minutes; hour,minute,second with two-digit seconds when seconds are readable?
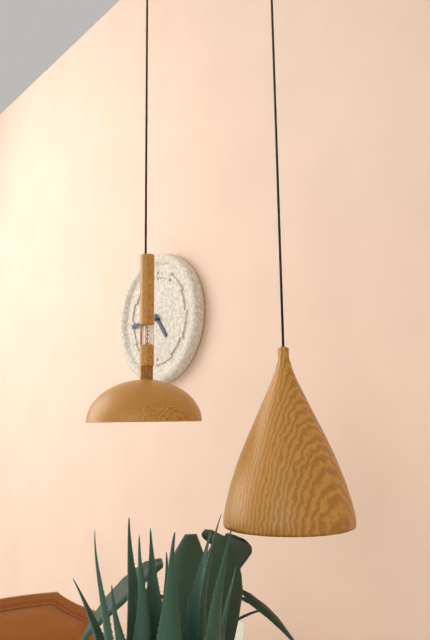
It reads 4,44
